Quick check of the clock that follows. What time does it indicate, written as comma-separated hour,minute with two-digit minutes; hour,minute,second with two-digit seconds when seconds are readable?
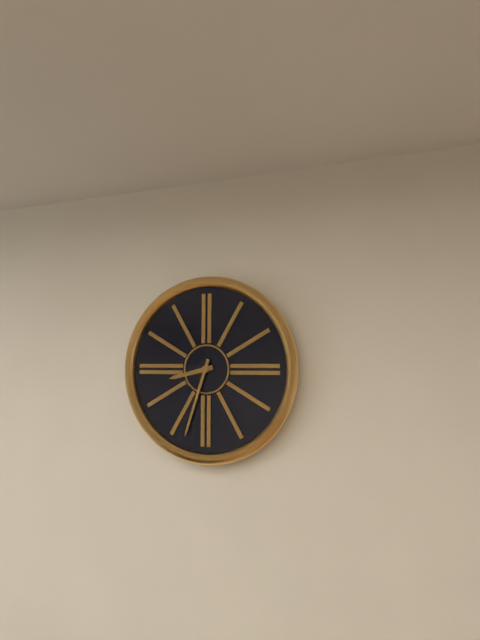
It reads 8,33
